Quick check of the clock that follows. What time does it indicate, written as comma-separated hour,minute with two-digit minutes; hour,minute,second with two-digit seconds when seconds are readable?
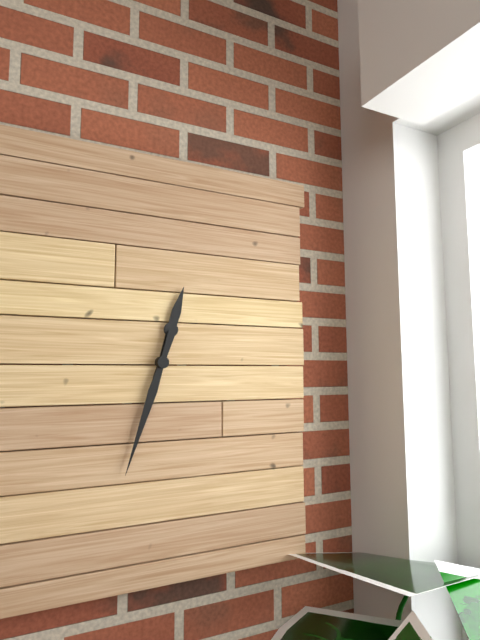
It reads 12,33
